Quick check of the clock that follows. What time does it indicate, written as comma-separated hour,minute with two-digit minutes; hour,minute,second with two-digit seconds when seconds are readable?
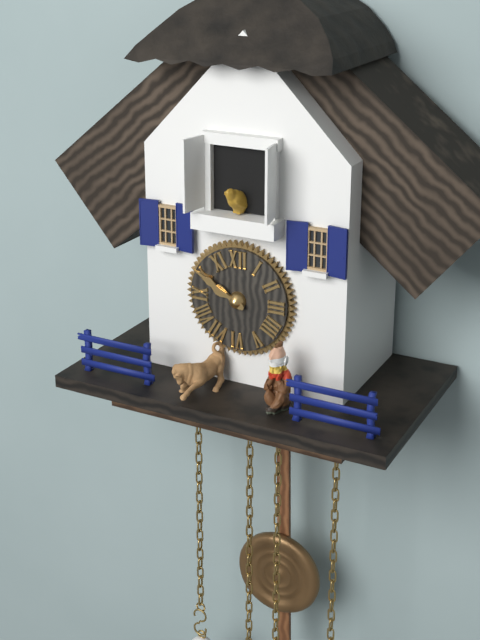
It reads 9,50
